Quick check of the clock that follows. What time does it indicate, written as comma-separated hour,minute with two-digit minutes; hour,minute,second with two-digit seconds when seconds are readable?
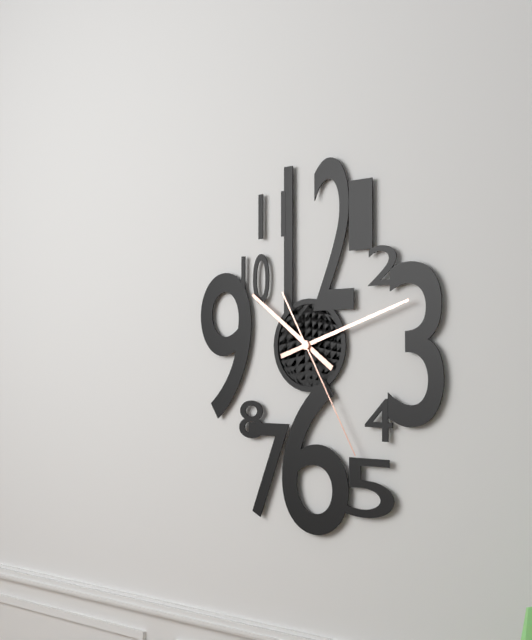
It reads 10,12,25
